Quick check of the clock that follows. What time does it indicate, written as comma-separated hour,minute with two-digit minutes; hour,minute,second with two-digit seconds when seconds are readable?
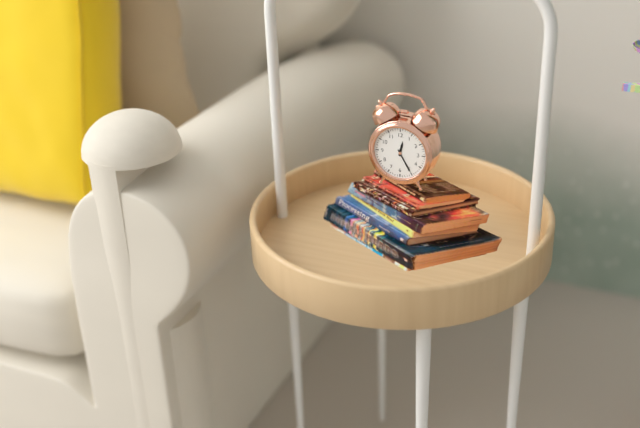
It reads 12,25
